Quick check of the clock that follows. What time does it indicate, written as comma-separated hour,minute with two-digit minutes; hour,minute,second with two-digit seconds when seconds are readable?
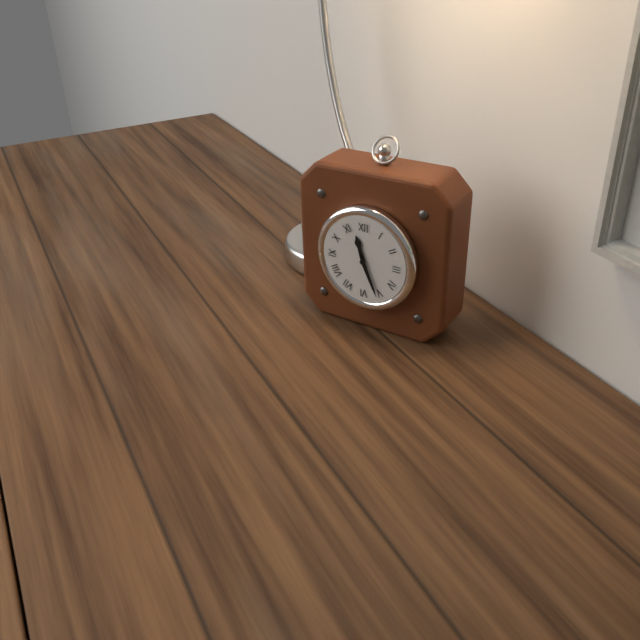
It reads 11,26
